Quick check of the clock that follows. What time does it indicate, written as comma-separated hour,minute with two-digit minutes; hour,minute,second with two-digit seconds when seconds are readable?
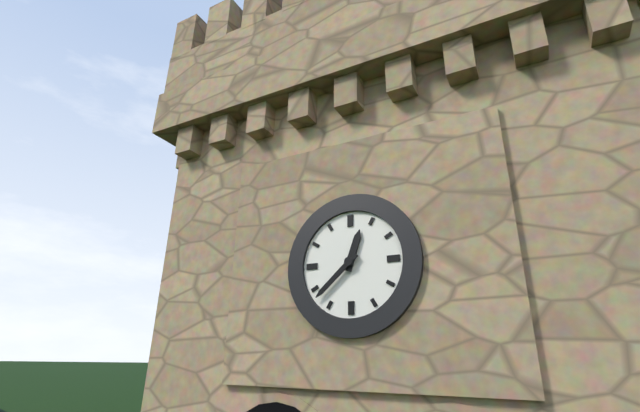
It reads 12,38
